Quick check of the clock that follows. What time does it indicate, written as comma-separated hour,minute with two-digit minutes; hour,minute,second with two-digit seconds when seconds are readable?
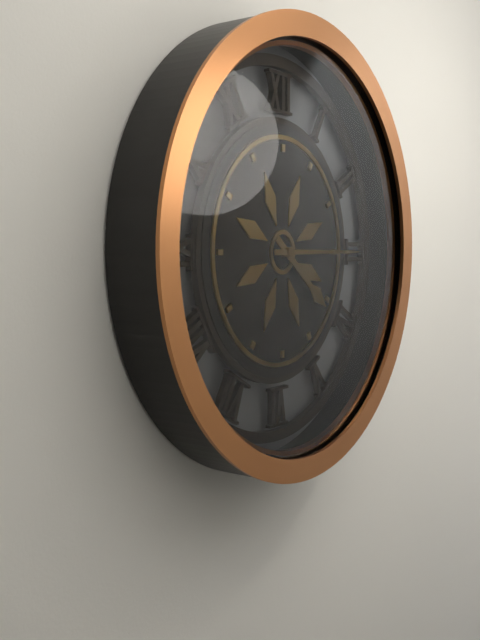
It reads 4,15
